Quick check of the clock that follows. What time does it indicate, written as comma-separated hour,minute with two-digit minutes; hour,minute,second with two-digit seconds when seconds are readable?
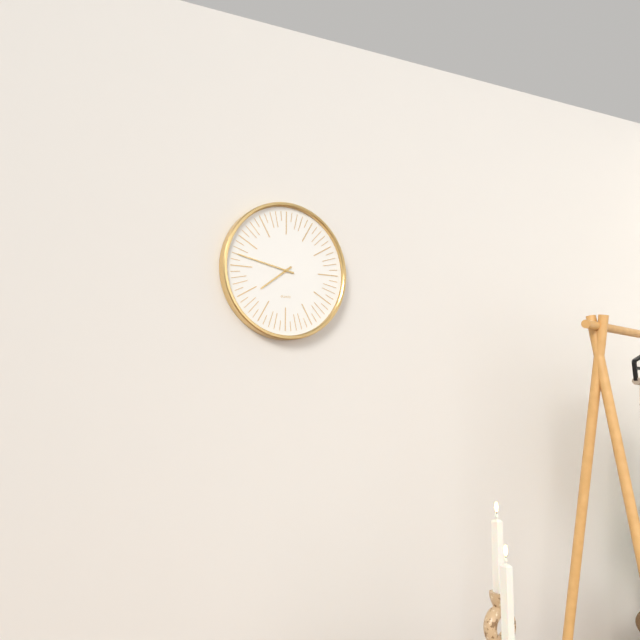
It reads 7,47
